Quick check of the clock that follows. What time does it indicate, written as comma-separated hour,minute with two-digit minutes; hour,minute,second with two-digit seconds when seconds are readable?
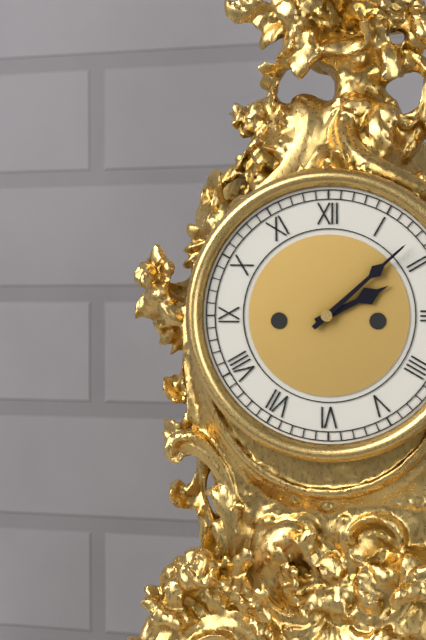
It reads 2,08
